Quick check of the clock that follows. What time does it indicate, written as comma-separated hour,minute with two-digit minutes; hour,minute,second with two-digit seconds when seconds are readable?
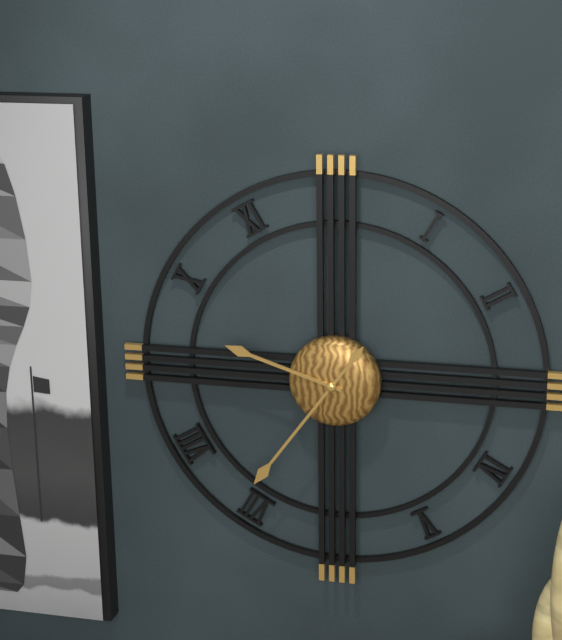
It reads 9,36
